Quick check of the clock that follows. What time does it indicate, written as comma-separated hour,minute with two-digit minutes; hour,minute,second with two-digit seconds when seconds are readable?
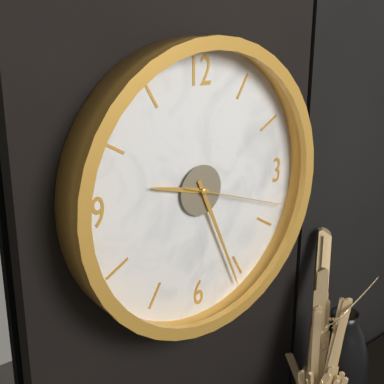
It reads 9,26,18
